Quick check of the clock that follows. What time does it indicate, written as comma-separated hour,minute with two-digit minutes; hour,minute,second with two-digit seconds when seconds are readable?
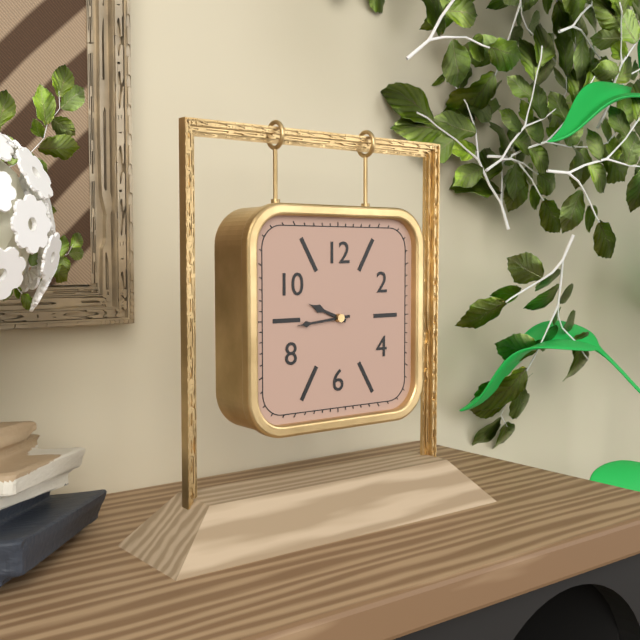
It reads 9,44
